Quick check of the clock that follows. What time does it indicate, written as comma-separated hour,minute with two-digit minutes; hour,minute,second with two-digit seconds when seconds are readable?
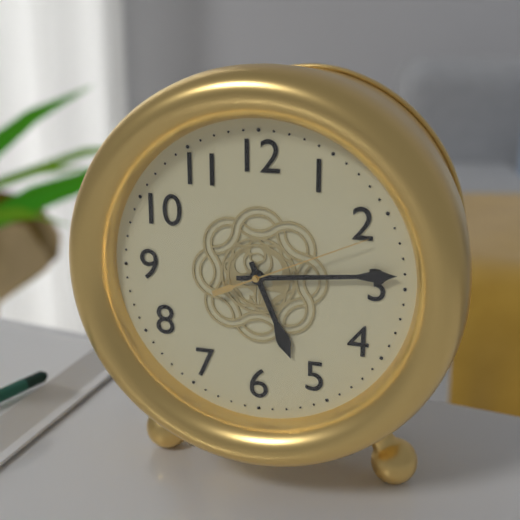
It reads 5,14,11
